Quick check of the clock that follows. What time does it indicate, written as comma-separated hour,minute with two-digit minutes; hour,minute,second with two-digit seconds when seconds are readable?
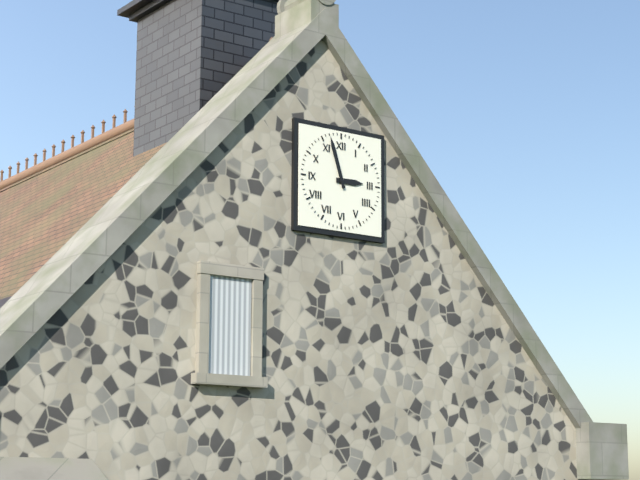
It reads 2,57
